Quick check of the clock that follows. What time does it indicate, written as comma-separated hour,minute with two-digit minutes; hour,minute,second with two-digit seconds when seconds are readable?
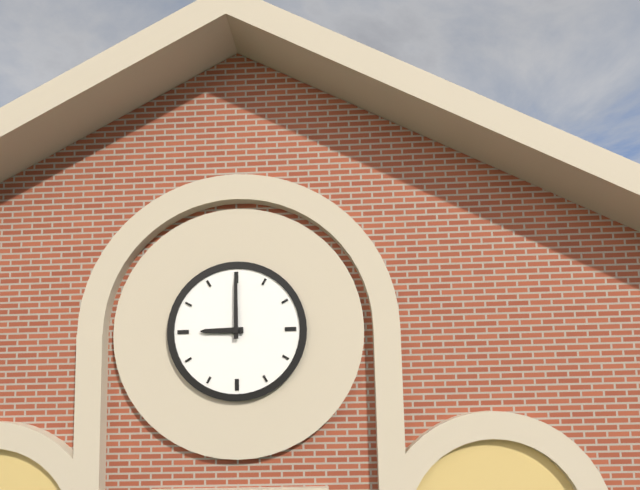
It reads 9,00
